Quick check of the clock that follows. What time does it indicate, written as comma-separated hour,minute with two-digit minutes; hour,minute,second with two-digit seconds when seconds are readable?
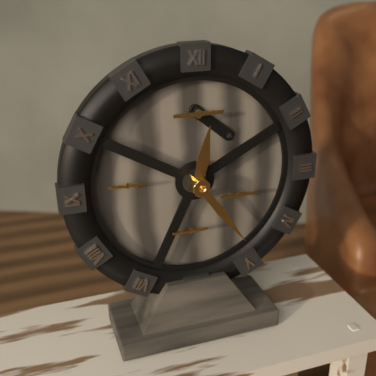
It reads 12,24
